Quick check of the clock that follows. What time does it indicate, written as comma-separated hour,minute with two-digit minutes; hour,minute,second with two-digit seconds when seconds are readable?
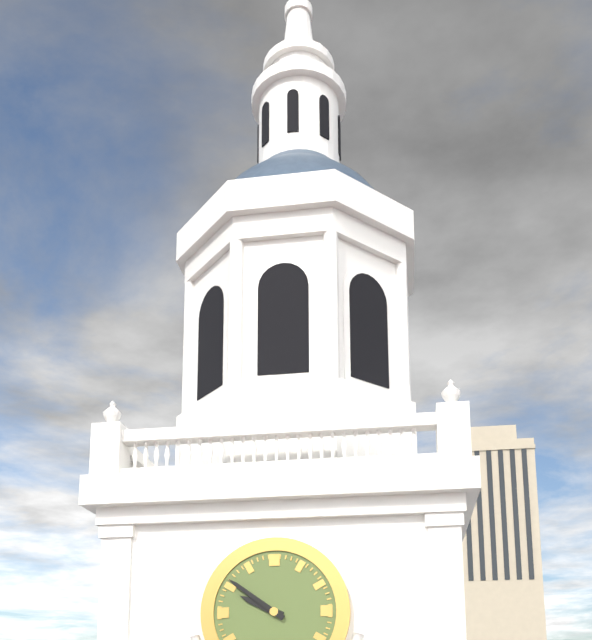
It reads 9,51
